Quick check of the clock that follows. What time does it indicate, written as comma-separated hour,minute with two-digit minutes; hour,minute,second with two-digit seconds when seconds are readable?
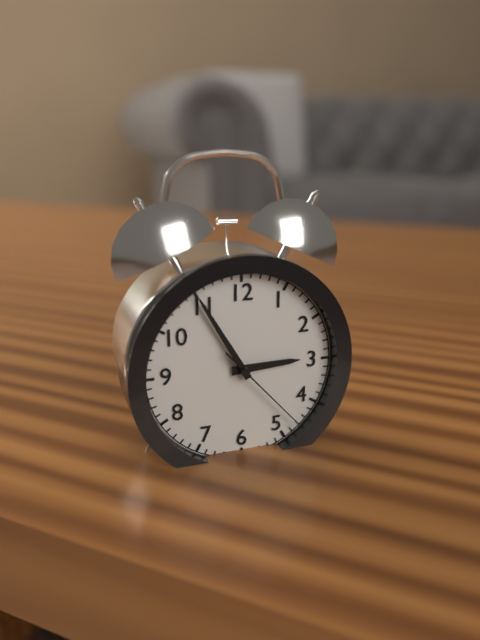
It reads 2,55,23
